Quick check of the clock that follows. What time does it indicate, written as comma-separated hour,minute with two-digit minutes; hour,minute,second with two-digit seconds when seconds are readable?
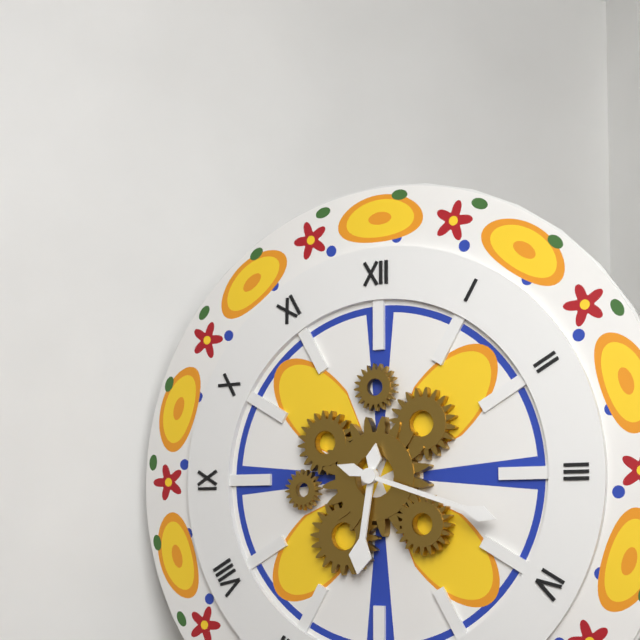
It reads 6,18
